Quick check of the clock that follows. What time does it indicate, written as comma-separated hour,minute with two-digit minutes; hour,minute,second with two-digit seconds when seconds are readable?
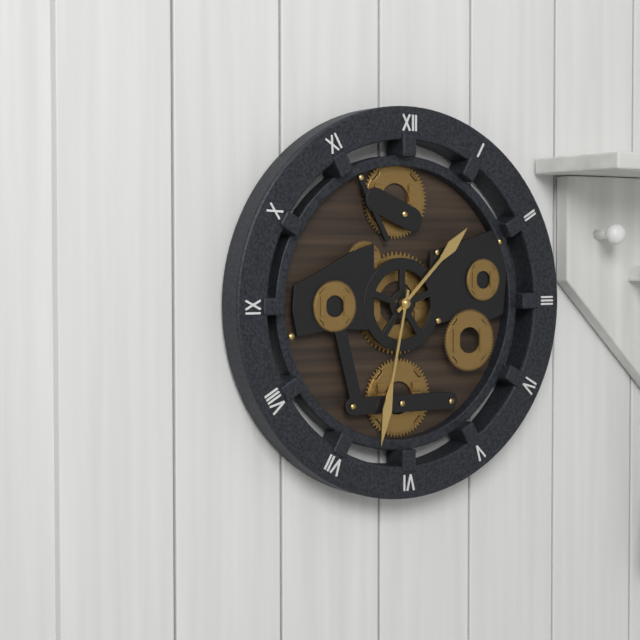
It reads 1,32
